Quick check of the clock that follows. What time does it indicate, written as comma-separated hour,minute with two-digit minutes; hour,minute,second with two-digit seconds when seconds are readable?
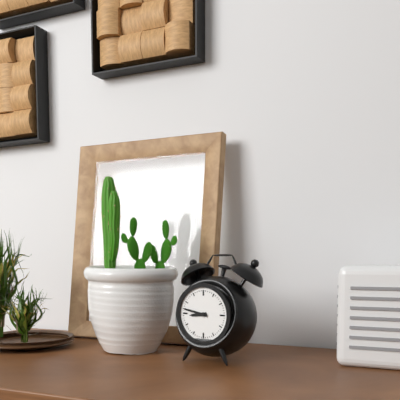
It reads 8,47
